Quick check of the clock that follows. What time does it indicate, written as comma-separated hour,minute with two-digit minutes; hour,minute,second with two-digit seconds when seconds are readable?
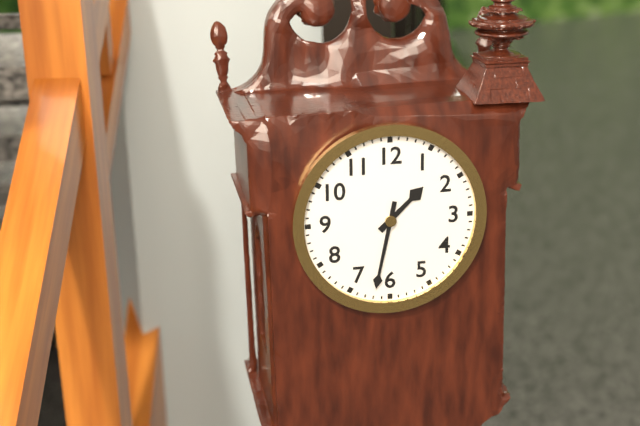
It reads 1,32
